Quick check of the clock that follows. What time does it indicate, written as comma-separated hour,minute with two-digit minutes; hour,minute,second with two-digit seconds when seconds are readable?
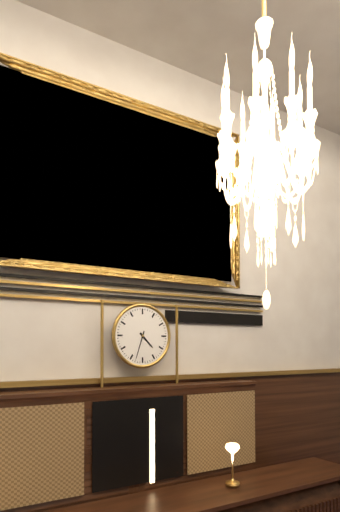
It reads 4,33
